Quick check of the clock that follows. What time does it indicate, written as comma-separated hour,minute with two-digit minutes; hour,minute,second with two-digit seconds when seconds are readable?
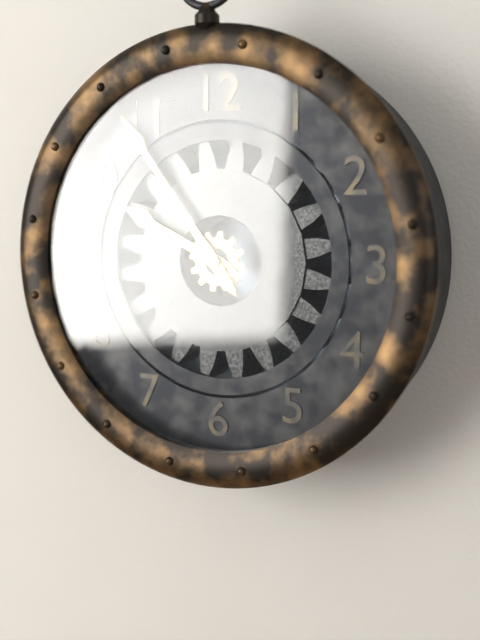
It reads 9,54
